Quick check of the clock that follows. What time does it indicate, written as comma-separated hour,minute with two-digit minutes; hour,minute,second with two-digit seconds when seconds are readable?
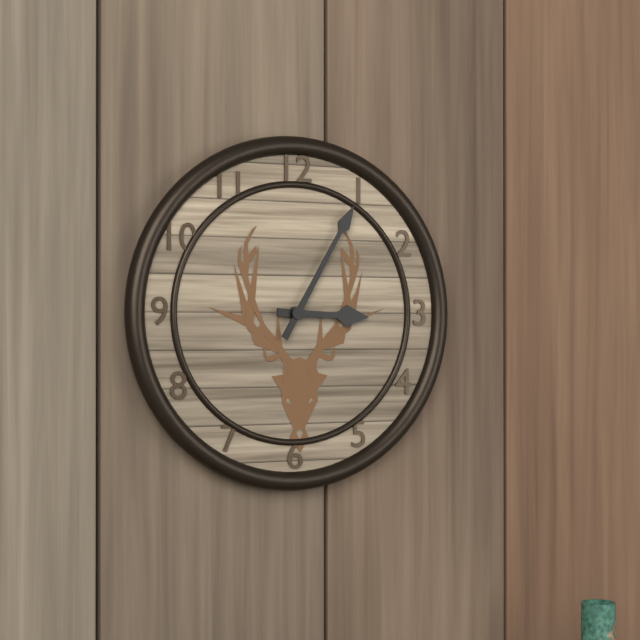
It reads 3,05
